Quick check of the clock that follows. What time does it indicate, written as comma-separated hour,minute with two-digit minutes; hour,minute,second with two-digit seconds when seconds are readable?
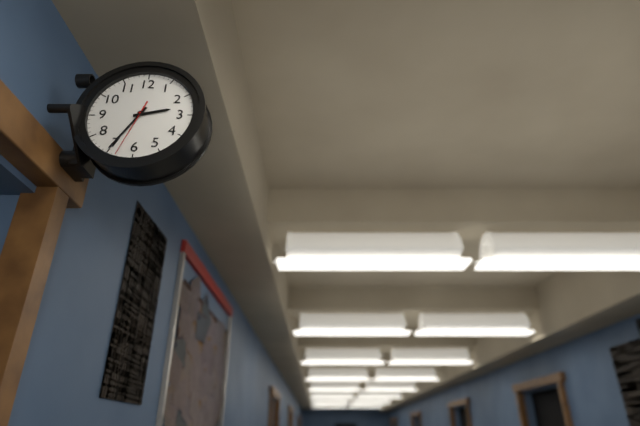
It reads 2,35,33
